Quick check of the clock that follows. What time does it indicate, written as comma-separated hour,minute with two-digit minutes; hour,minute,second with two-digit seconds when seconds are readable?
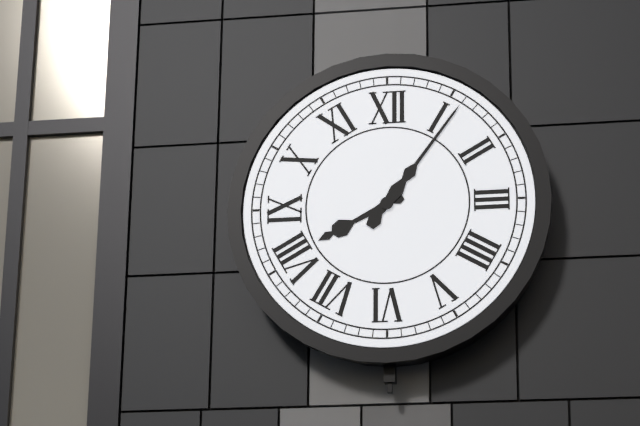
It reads 8,06
